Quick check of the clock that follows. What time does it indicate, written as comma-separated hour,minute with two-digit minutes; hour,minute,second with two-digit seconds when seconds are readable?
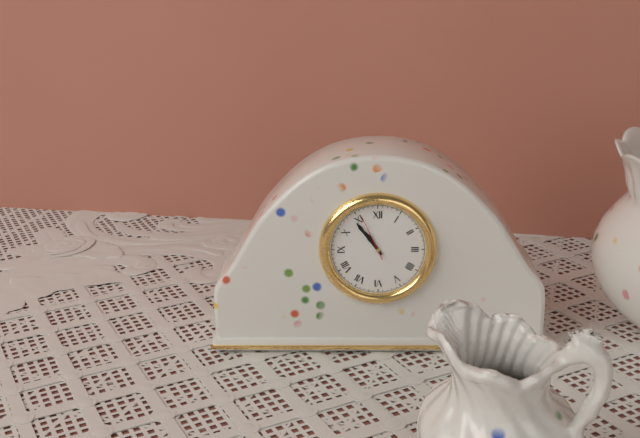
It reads 10,54
